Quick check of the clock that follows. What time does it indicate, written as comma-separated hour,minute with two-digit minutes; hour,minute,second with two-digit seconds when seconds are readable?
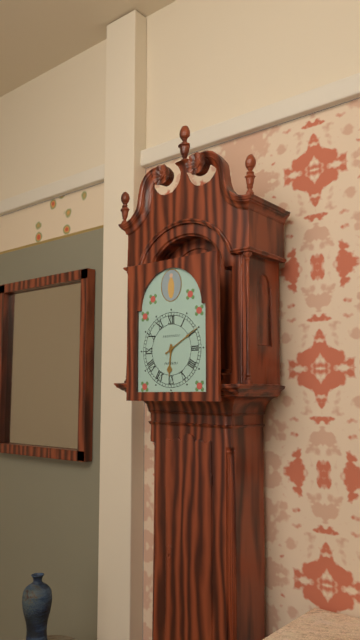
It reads 6,10
